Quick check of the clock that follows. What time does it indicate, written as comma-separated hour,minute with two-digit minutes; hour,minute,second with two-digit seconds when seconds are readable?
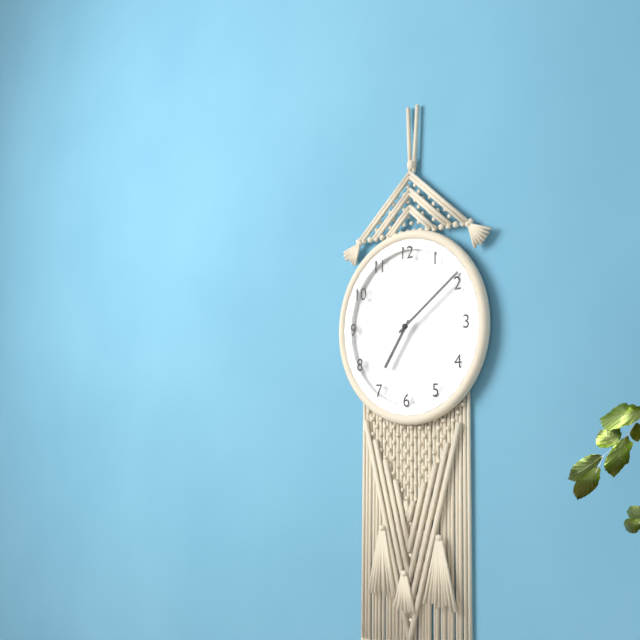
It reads 7,09
